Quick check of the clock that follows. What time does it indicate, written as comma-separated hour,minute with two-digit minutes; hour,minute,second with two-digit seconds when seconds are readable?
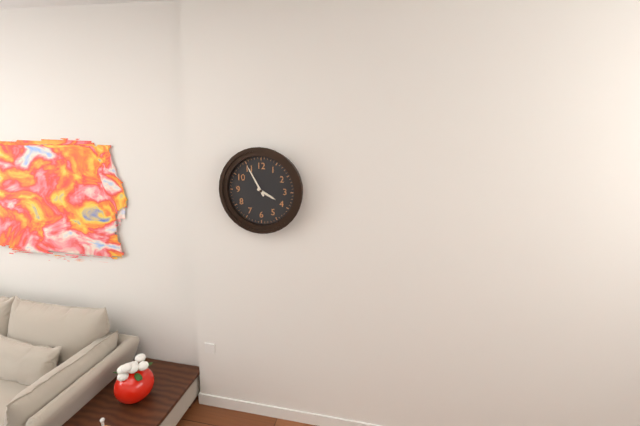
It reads 3,55
